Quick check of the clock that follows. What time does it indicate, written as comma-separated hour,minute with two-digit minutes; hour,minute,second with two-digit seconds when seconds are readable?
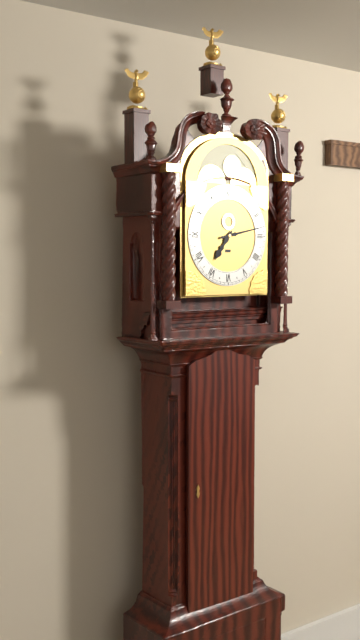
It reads 7,13
